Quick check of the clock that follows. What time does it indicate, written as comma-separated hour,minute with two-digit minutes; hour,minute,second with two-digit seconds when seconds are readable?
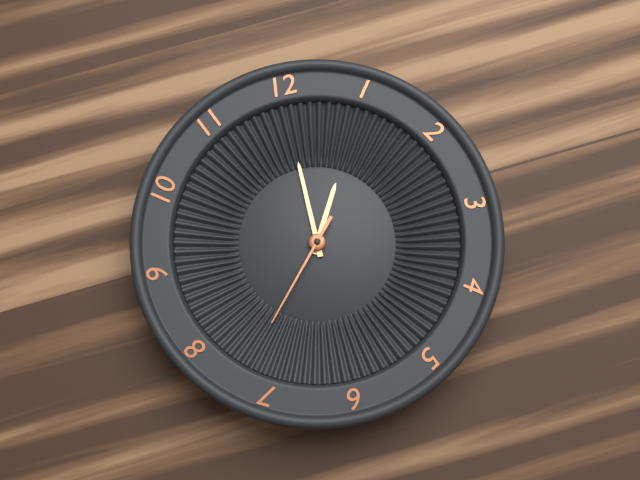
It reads 1,00,37
